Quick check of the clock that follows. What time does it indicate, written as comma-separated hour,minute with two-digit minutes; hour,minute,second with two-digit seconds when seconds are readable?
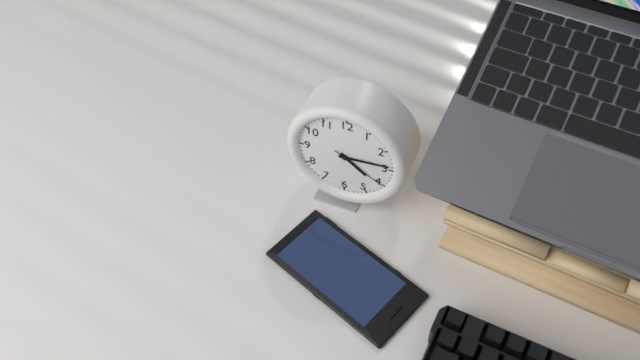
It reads 4,14,20
